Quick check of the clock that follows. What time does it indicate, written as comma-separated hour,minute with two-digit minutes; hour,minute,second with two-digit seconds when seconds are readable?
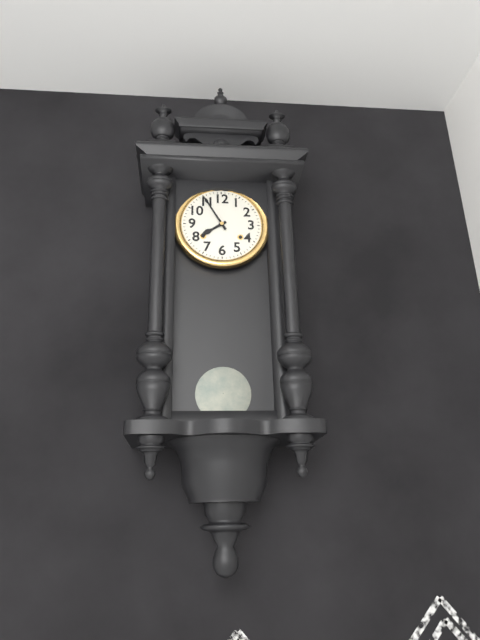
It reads 7,55
